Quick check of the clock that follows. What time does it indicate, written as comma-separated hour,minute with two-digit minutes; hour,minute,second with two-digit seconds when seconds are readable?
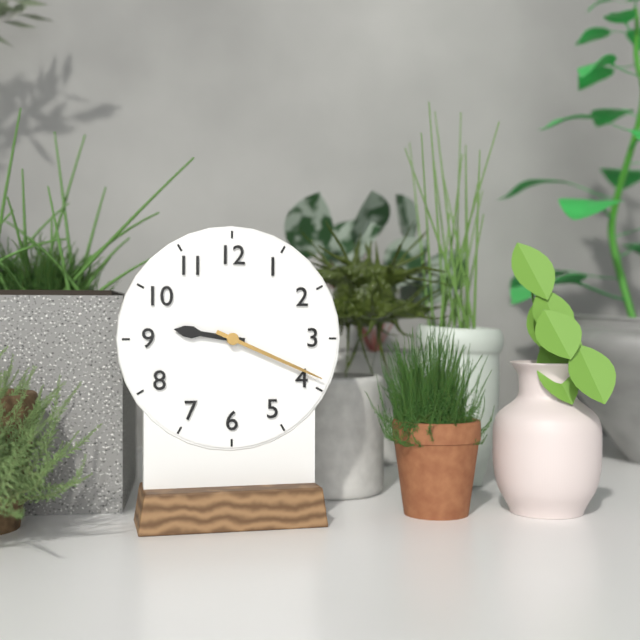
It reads 9,19
